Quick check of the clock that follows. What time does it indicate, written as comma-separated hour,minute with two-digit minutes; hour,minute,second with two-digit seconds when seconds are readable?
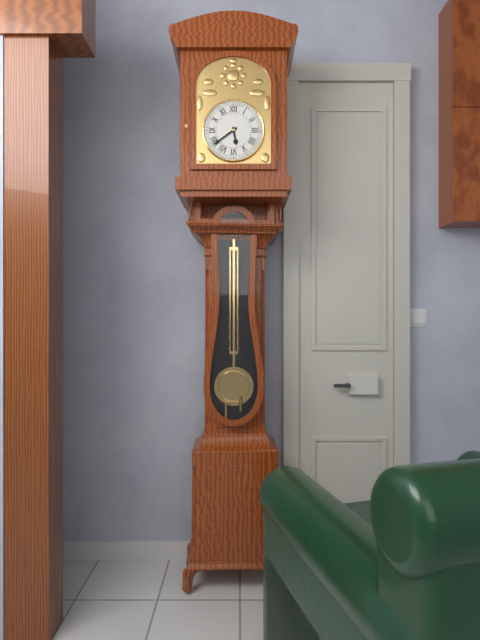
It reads 5,39
